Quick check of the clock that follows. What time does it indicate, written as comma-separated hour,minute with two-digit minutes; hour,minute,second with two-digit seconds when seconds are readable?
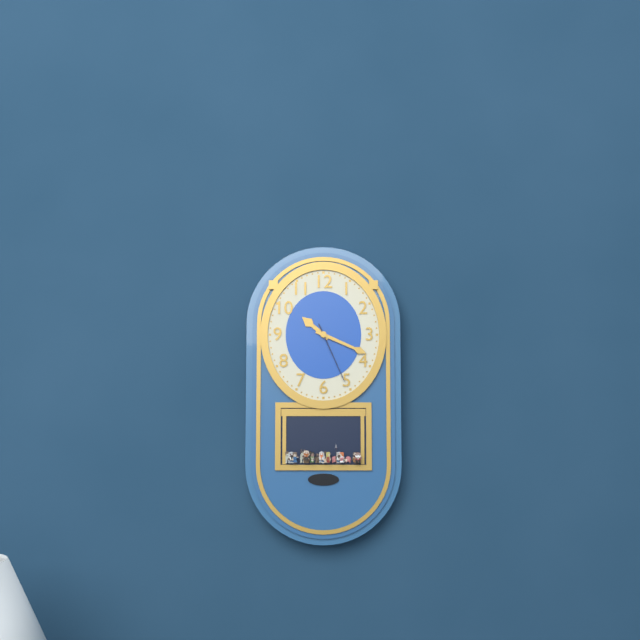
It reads 10,19,26
